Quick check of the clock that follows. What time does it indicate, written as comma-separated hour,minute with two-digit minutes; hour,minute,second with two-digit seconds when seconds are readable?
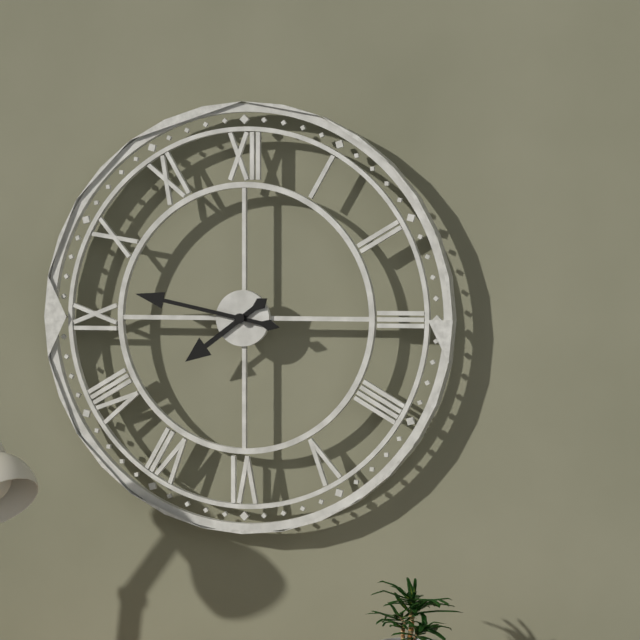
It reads 7,47
